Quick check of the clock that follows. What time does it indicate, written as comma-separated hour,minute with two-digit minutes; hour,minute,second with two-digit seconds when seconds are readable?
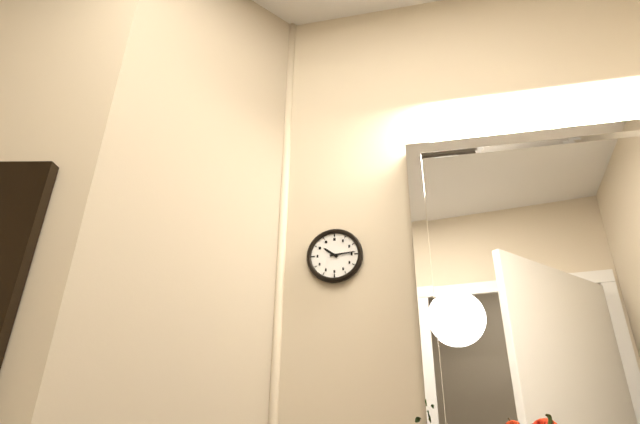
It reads 10,14
